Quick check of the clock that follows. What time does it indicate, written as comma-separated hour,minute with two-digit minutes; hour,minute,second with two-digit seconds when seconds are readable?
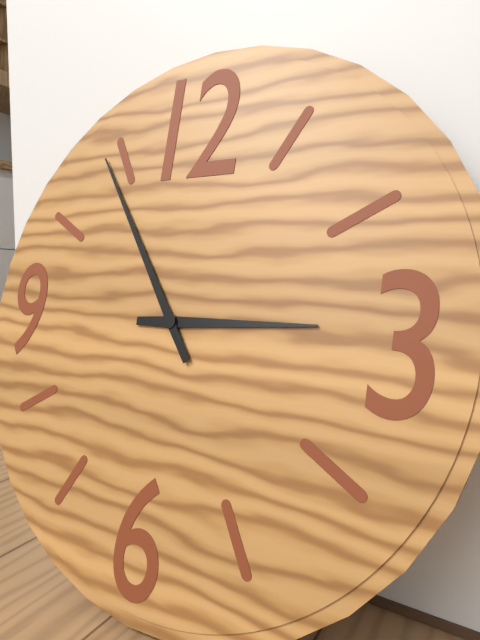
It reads 2,54
